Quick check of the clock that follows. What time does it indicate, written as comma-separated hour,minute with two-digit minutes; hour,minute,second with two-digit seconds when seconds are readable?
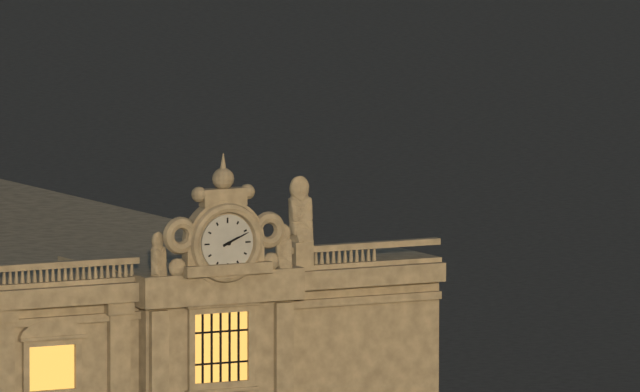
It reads 2,11
